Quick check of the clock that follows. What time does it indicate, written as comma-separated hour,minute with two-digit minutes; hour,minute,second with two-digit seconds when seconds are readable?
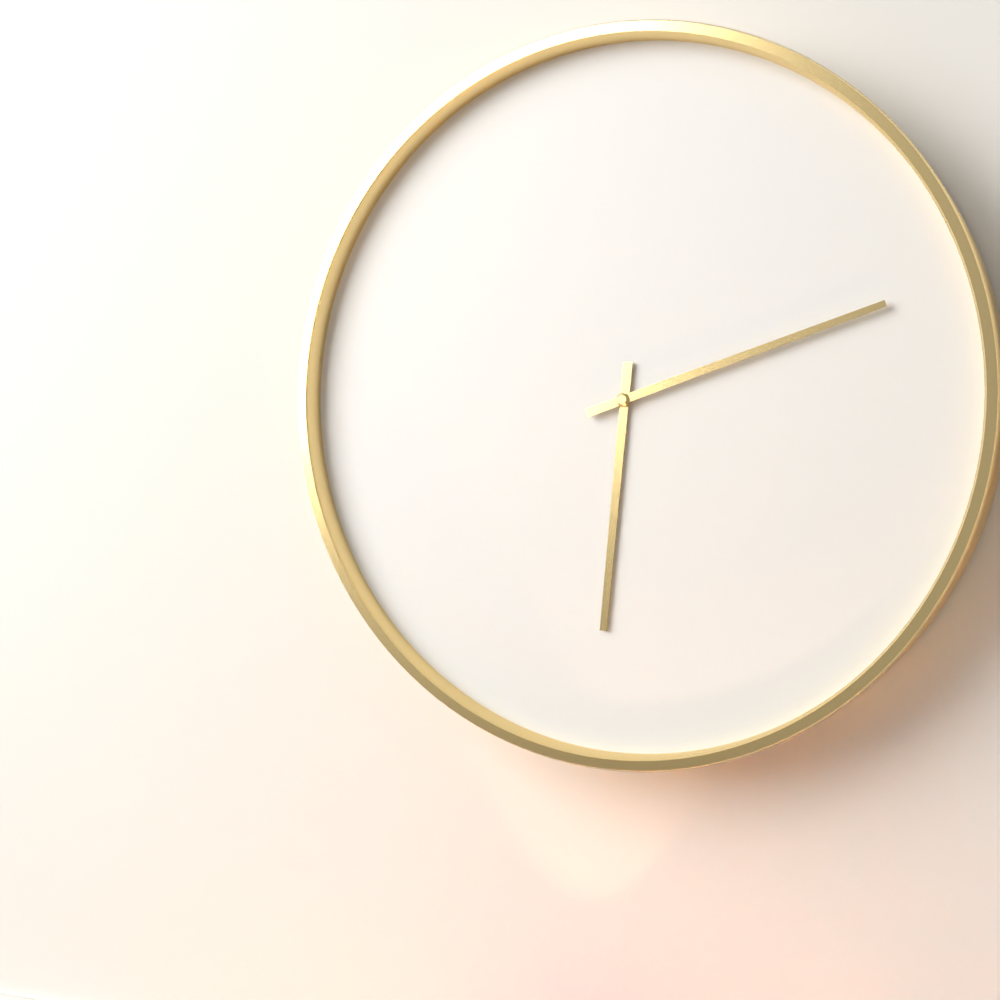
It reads 6,12
